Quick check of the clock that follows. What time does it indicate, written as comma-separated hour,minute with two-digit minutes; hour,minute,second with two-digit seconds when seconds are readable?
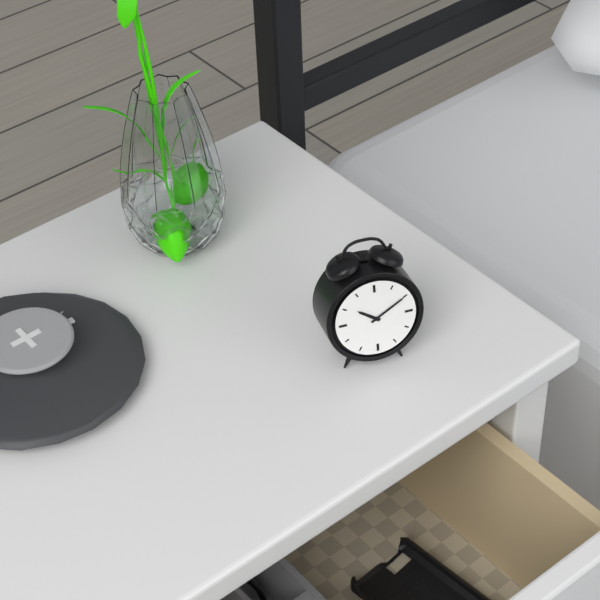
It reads 10,10
